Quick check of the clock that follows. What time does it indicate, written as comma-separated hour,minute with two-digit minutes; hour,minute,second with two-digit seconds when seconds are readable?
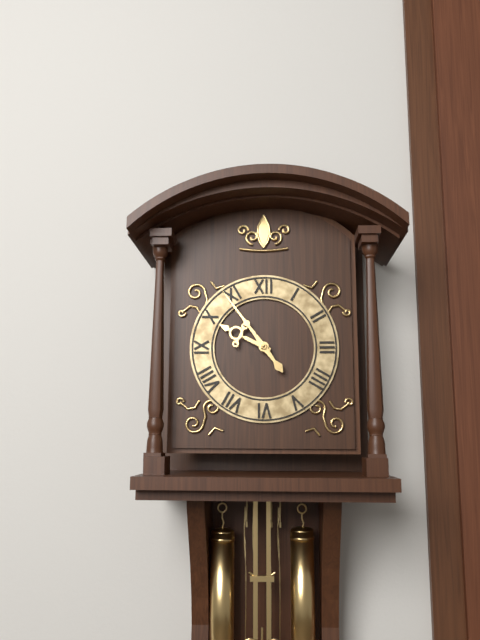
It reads 9,54
